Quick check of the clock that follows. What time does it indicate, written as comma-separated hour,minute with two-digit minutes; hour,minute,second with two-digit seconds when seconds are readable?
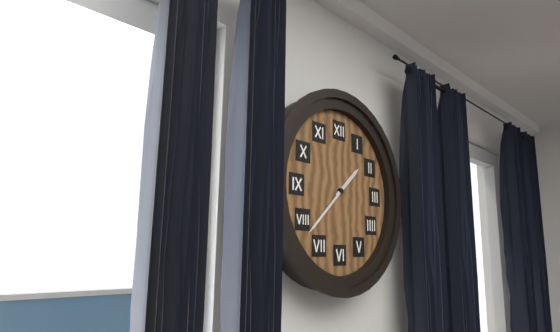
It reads 1,38
